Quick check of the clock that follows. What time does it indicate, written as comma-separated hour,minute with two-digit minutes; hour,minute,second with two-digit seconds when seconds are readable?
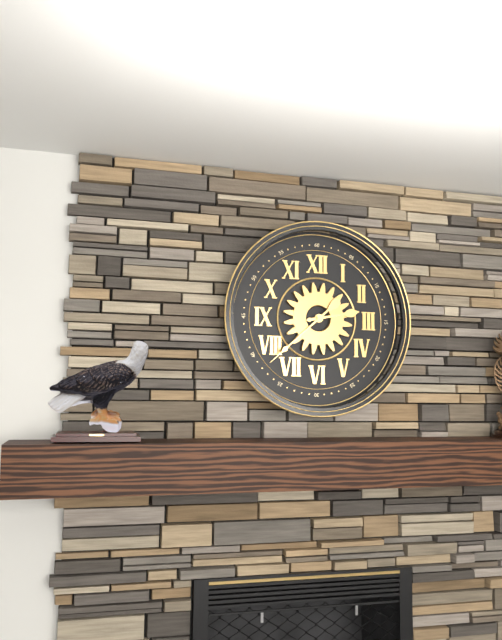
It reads 2,38
